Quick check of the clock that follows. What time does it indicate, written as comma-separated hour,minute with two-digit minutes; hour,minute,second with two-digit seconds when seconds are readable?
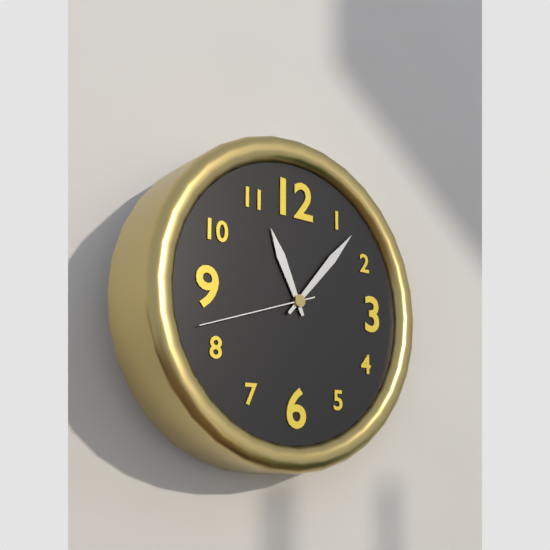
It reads 11,07,42
